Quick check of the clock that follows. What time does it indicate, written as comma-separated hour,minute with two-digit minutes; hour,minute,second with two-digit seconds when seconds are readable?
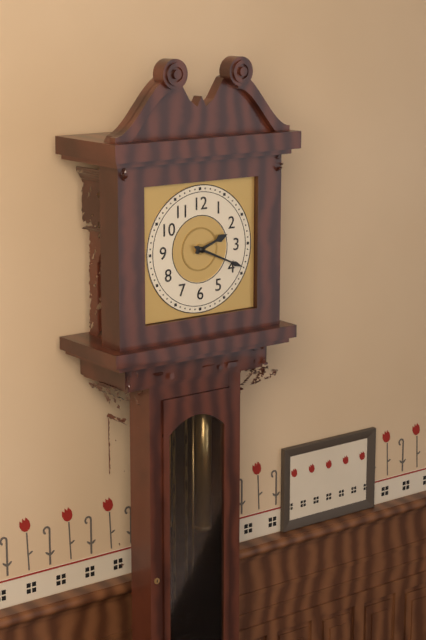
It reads 2,19
